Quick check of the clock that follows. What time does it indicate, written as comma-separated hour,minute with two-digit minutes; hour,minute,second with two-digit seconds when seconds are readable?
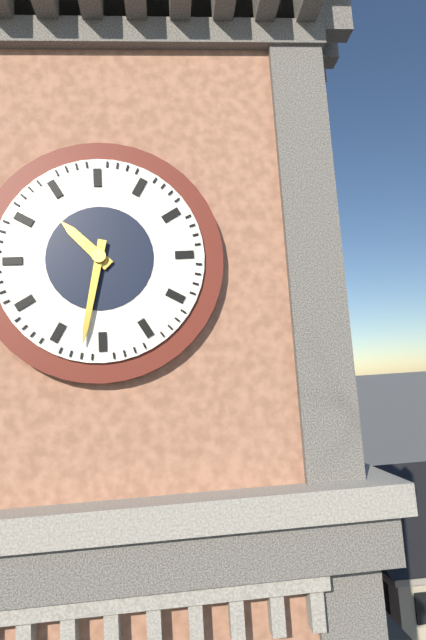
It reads 10,32
